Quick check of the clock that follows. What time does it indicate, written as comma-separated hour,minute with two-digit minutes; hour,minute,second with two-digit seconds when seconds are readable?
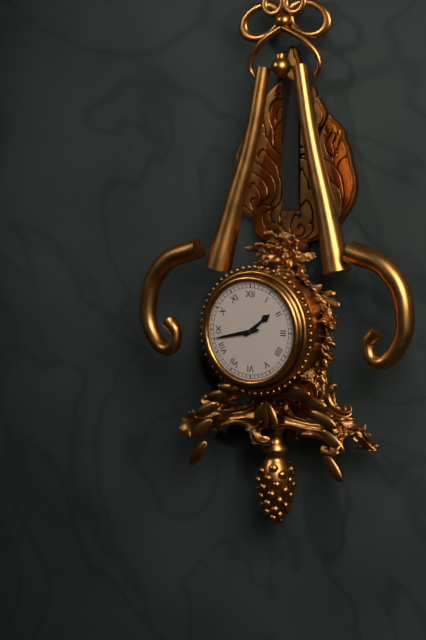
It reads 1,43
